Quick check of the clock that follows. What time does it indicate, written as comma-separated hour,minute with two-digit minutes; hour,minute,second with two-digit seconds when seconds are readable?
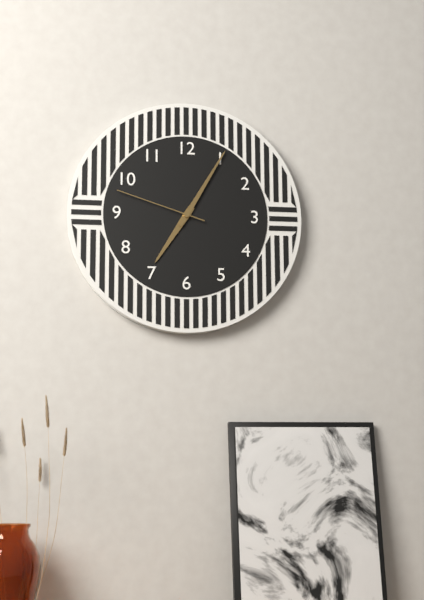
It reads 7,05,48
